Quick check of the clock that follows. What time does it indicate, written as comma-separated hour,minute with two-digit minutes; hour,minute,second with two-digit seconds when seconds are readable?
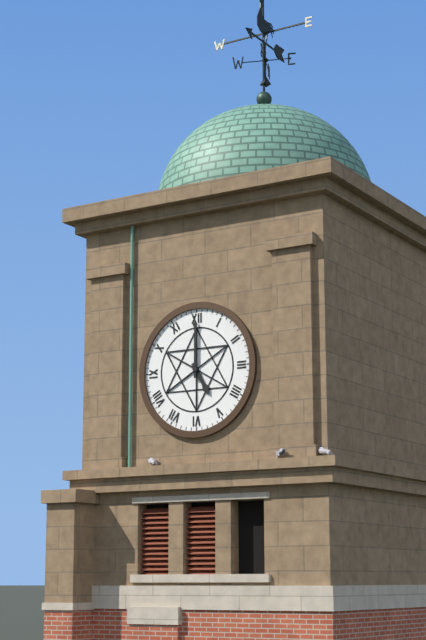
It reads 5,00
